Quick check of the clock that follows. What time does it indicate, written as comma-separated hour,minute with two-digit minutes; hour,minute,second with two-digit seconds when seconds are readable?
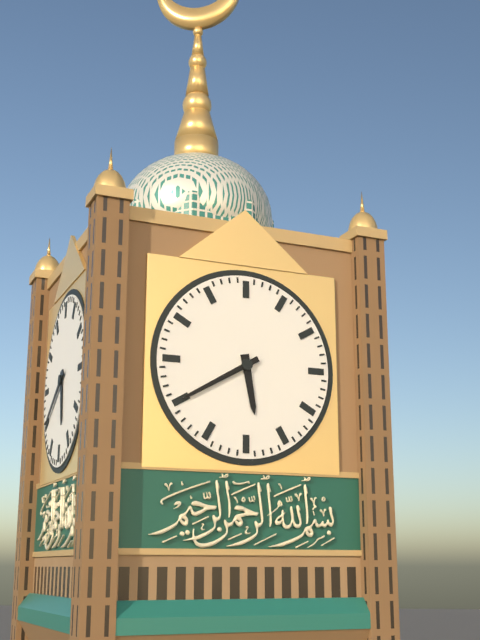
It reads 5,40
